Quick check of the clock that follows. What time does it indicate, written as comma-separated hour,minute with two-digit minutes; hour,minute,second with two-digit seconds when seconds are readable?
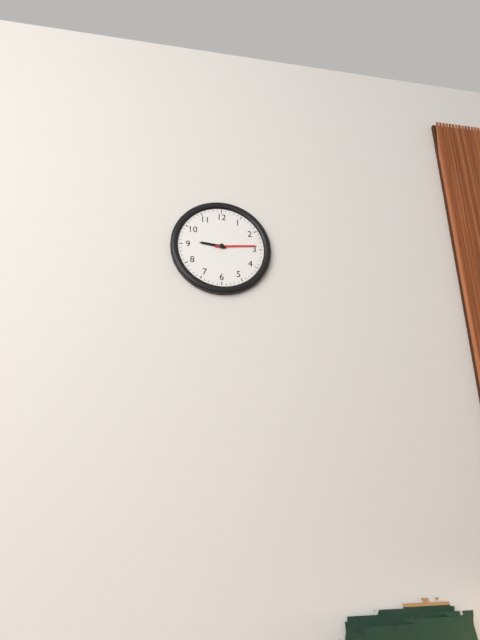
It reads 9,14
